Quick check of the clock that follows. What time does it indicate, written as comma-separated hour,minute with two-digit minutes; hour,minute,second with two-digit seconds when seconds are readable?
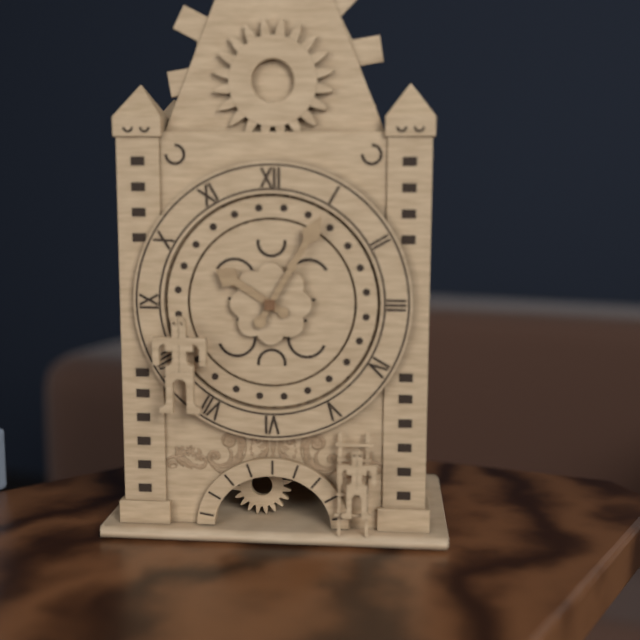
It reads 10,05
